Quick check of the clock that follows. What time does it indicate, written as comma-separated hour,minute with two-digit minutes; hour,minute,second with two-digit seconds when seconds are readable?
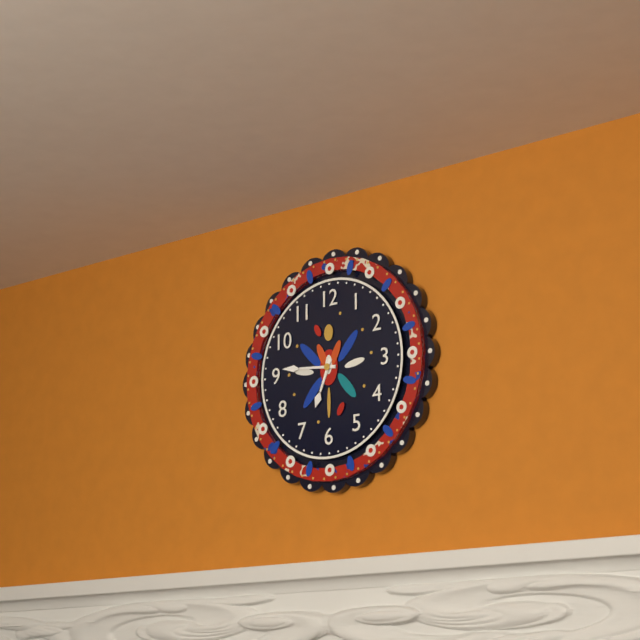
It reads 6,46
